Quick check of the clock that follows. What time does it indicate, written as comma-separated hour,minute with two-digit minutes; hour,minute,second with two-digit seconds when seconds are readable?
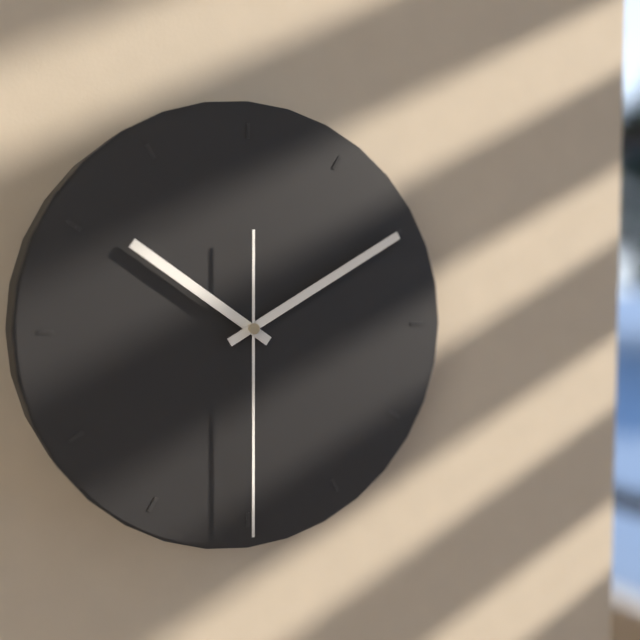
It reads 10,10,30
